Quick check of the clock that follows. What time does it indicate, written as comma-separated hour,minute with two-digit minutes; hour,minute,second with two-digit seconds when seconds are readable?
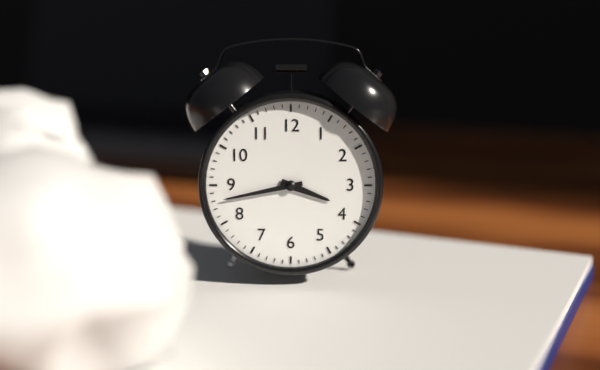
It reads 3,43
